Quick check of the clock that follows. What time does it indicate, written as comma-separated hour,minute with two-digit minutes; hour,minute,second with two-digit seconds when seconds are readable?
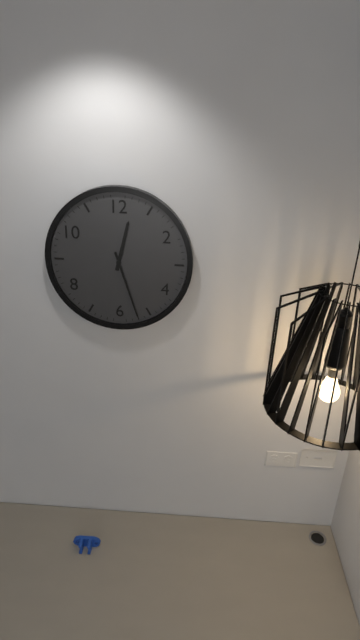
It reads 12,27
